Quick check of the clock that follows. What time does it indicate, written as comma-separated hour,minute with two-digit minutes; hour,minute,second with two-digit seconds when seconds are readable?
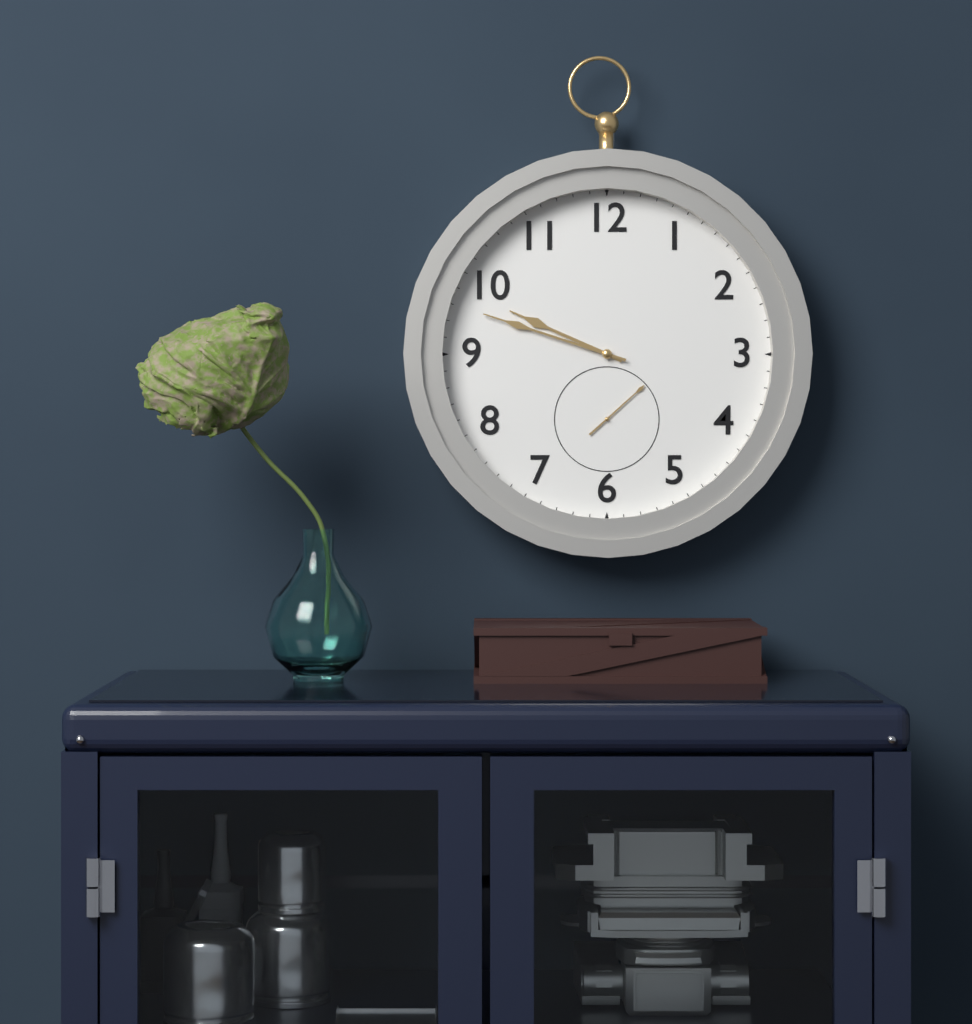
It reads 9,48,08
